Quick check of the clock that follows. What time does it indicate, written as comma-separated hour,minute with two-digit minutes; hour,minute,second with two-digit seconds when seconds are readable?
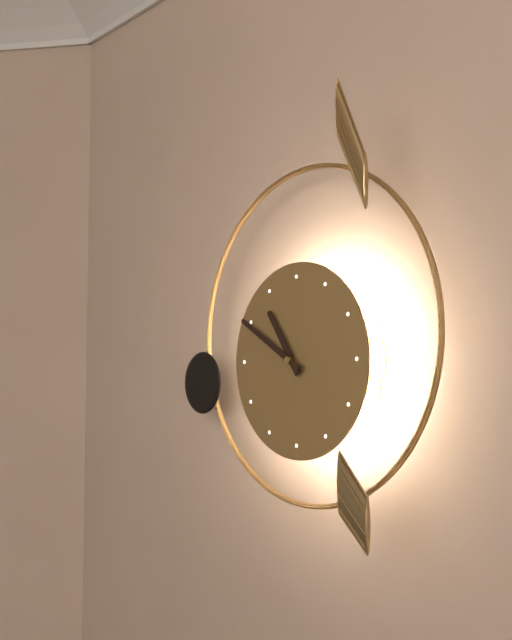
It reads 10,50
